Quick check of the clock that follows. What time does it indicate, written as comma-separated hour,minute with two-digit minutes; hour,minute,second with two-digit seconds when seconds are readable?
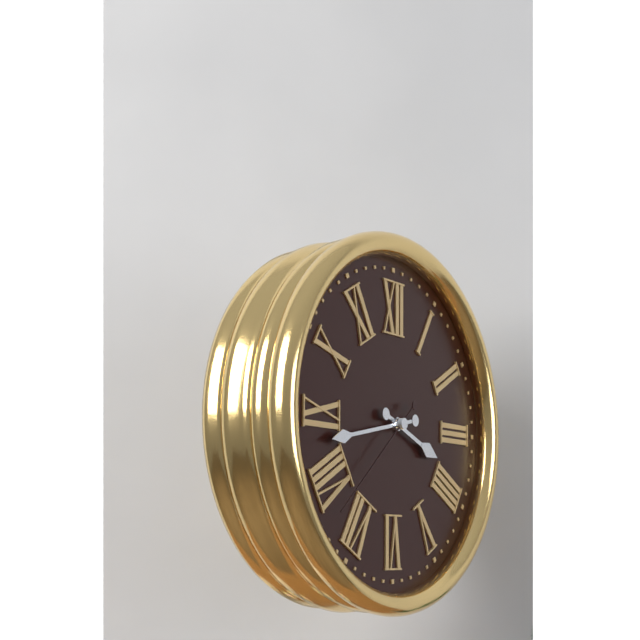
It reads 3,43,38
